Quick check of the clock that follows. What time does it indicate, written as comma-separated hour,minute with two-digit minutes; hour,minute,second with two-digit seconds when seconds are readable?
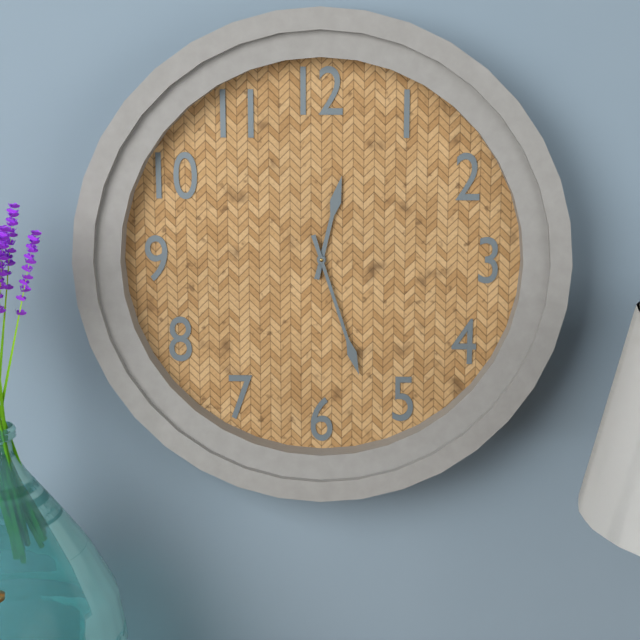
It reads 12,27
